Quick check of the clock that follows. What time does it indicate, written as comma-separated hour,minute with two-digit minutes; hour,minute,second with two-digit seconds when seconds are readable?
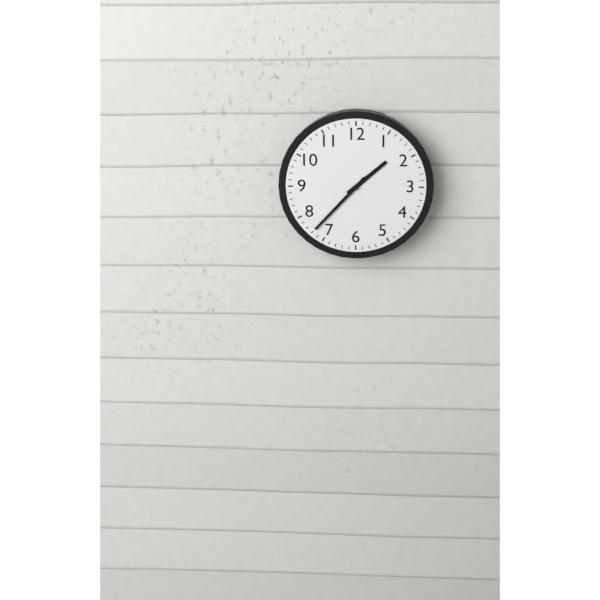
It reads 1,37
